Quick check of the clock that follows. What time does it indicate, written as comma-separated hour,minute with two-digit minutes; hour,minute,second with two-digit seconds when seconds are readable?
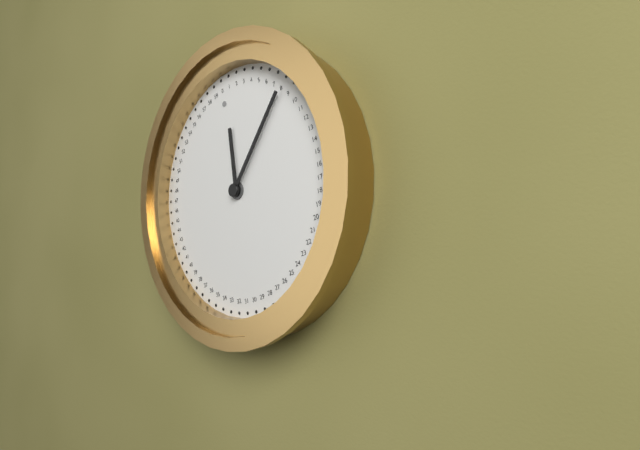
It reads 12,08
